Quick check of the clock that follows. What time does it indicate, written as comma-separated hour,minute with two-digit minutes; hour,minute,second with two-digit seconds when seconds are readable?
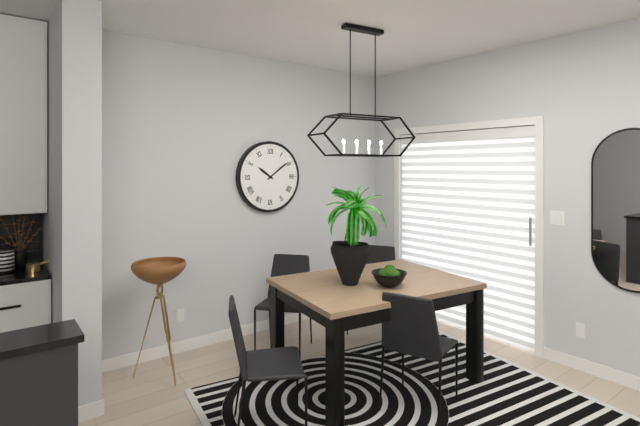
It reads 10,09
